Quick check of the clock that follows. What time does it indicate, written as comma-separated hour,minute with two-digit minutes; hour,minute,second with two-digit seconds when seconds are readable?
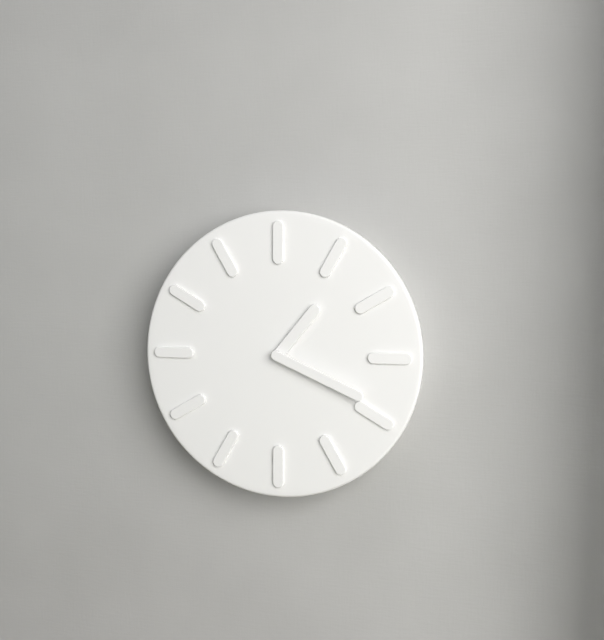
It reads 1,19
